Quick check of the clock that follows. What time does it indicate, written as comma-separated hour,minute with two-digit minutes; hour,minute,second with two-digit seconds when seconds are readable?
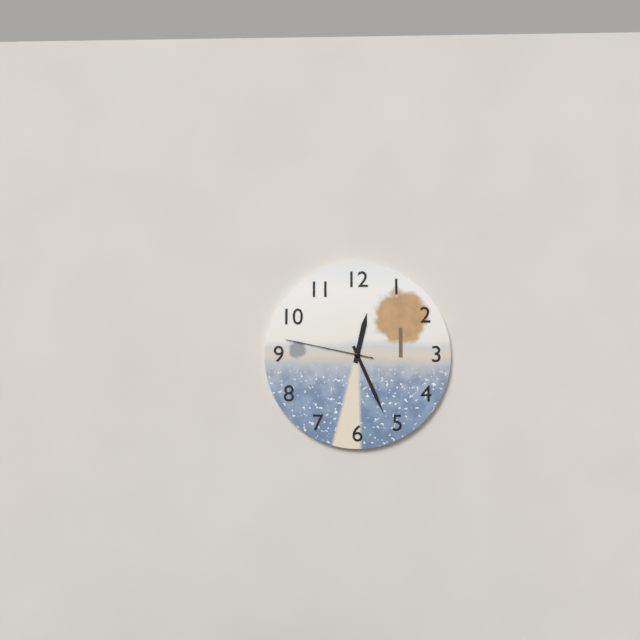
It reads 12,26,47
